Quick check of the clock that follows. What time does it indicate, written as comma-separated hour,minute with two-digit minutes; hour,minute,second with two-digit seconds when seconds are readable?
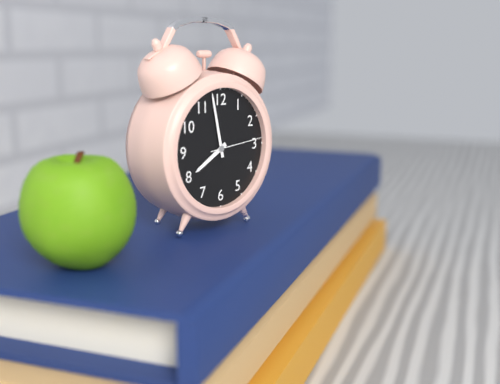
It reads 7,58,14
